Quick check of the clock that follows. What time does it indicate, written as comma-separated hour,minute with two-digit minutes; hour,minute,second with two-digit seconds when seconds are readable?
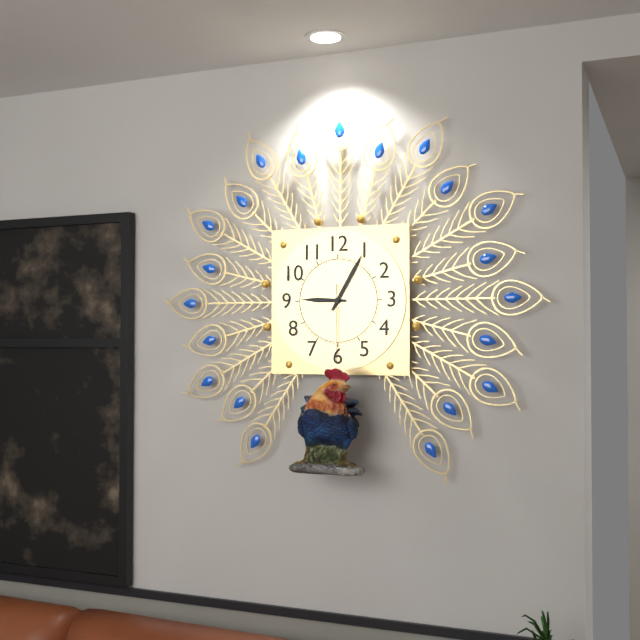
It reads 9,05,30
